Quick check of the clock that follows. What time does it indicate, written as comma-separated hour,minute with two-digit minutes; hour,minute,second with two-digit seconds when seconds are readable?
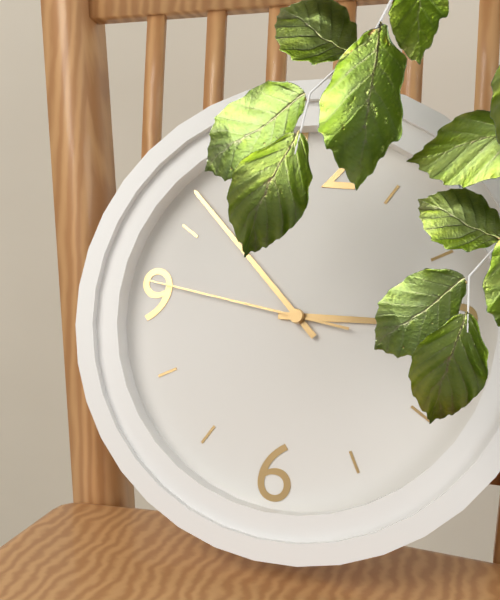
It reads 2,52,46
